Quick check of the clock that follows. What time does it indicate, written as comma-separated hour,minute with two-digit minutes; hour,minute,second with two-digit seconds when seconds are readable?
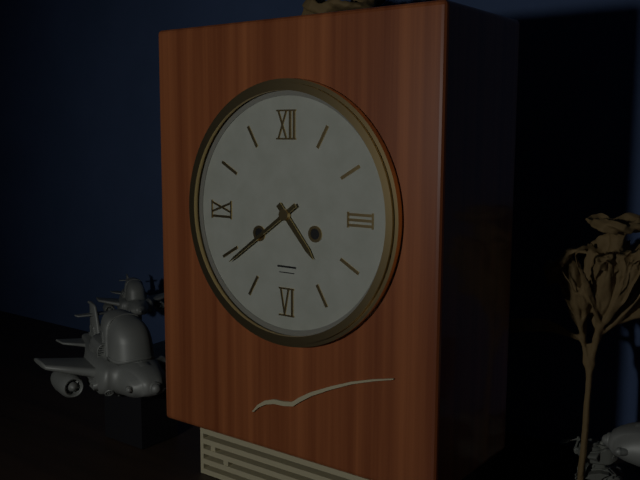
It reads 4,39
